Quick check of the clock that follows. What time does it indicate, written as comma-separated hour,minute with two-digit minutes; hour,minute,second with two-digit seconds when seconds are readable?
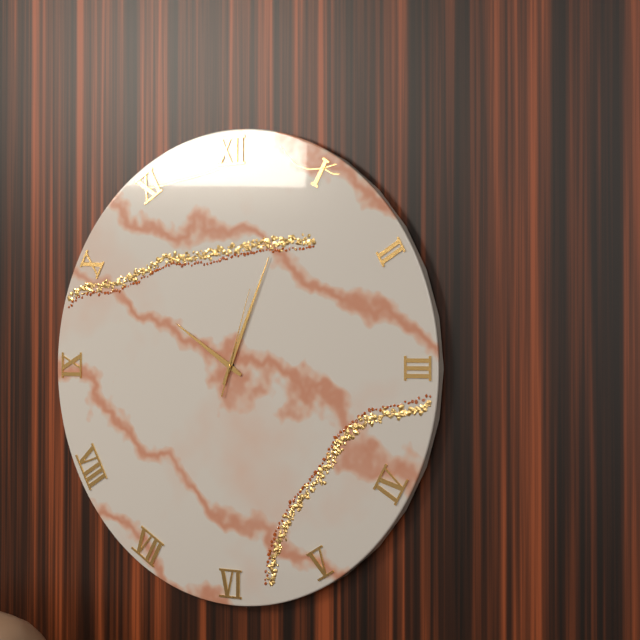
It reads 10,04,03
